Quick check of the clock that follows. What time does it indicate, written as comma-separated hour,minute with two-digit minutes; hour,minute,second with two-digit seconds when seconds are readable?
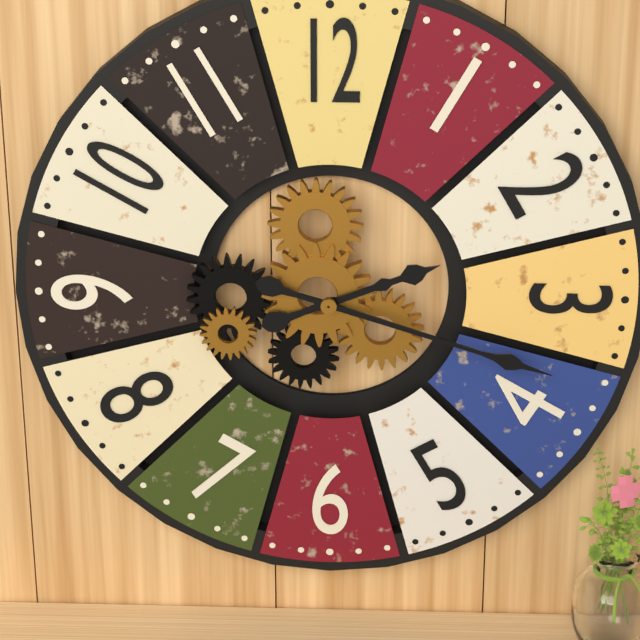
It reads 2,18
